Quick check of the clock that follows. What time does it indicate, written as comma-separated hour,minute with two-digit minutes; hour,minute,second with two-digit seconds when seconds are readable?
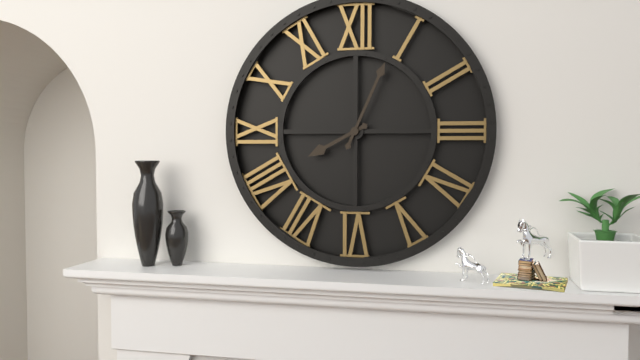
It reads 8,04
